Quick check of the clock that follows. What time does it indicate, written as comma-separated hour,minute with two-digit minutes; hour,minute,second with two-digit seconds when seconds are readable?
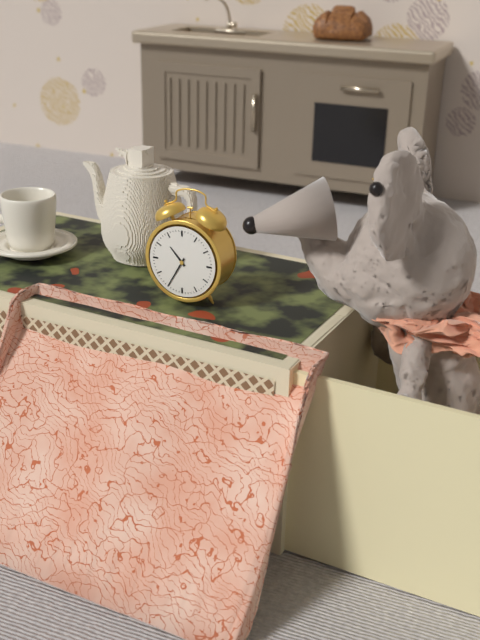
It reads 10,35
